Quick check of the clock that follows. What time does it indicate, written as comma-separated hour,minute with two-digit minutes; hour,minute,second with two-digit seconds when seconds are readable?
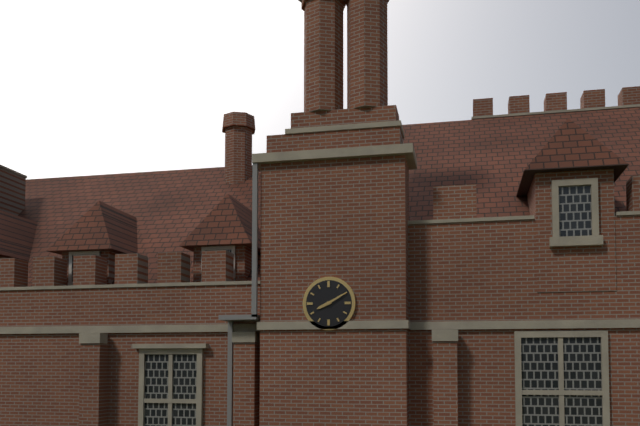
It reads 8,10
